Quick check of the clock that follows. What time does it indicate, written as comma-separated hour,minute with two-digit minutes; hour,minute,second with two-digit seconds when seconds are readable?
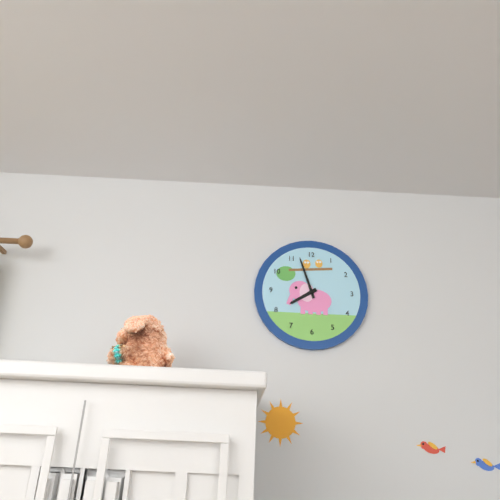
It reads 7,57
